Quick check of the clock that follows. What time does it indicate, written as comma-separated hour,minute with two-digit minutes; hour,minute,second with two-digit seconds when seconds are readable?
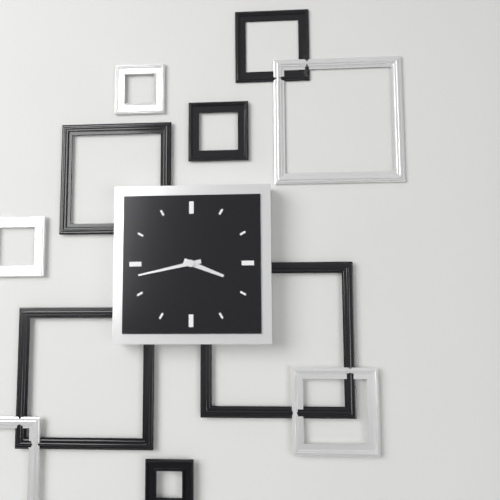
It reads 3,43
